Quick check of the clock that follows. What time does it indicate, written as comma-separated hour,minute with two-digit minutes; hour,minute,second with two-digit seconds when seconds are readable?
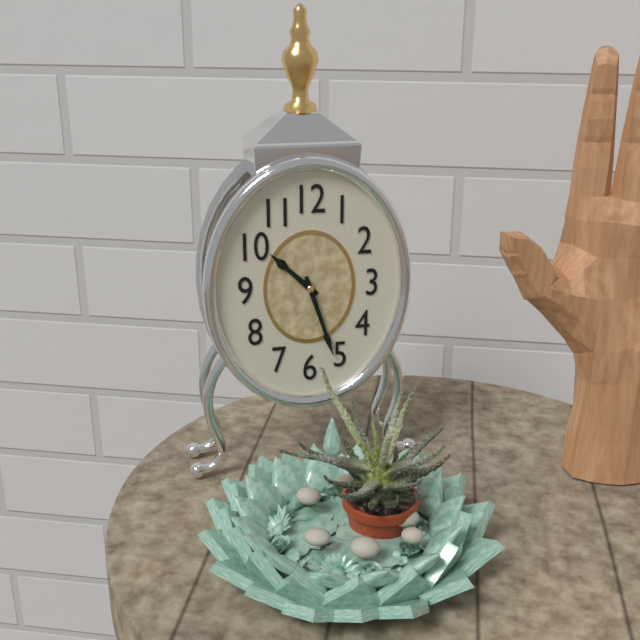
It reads 10,27
